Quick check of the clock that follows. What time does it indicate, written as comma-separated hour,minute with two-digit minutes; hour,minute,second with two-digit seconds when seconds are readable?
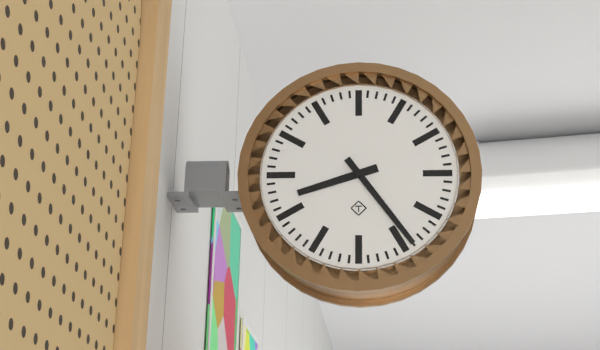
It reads 8,24
